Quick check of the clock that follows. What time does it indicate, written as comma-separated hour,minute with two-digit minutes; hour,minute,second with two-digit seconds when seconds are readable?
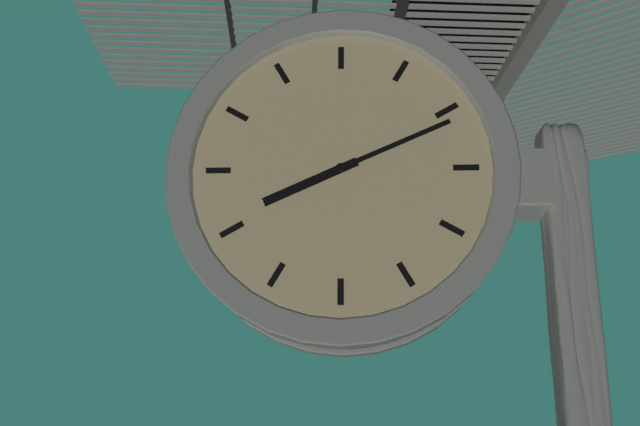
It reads 8,11
